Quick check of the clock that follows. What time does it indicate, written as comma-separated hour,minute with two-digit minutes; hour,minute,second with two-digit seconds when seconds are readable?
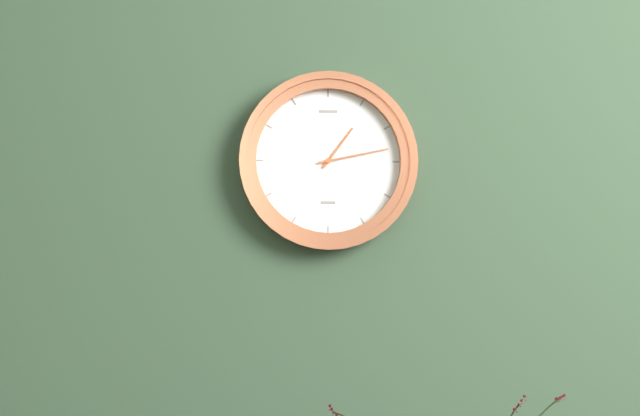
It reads 1,13
